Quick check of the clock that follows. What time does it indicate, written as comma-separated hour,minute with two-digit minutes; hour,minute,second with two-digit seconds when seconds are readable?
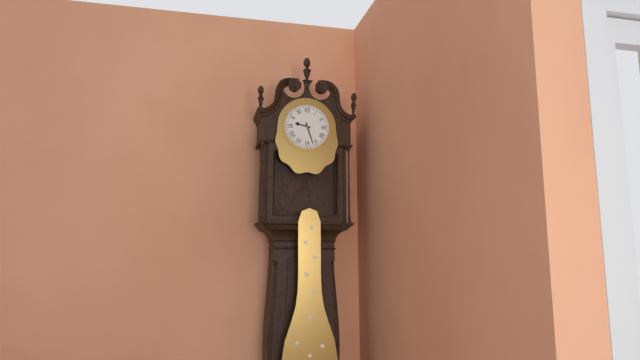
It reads 9,27
